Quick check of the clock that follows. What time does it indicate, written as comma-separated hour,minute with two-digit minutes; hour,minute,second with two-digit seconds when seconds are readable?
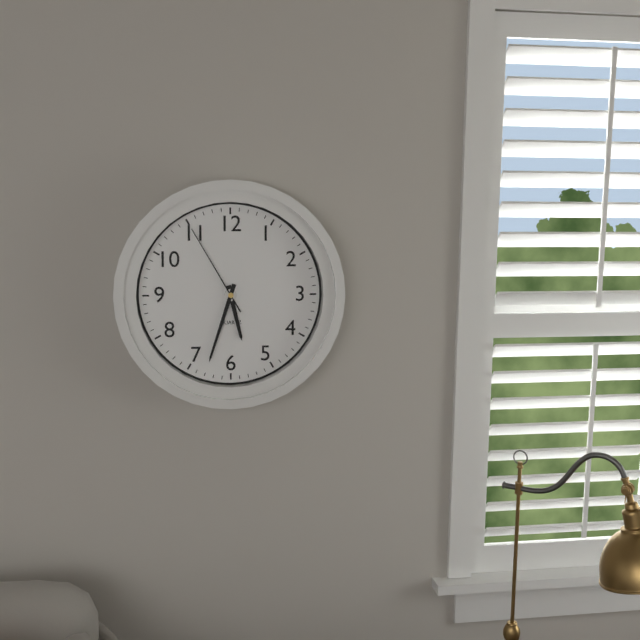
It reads 5,33,55
